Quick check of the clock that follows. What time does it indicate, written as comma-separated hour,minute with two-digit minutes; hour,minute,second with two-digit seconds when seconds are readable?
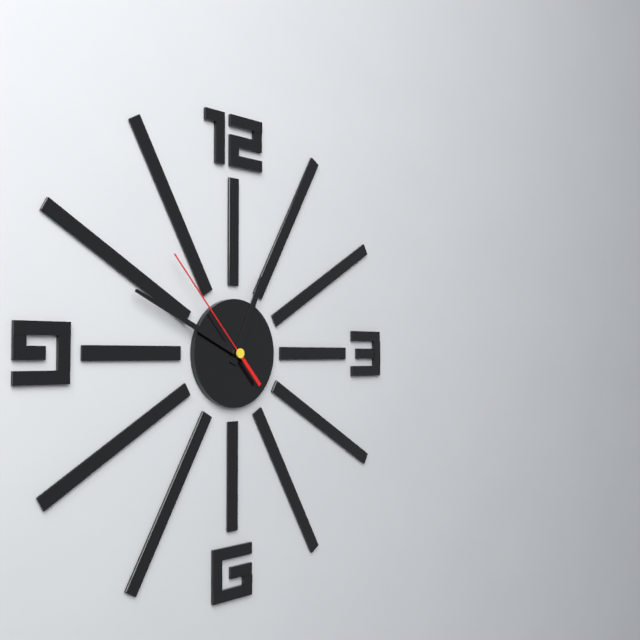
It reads 12,49,53
